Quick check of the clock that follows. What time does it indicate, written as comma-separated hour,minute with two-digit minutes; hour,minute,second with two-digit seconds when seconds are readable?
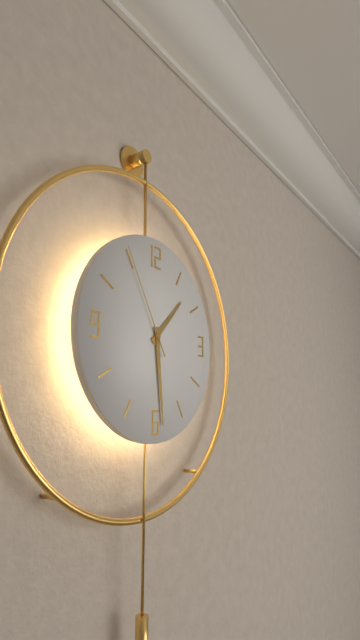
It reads 1,29,55
